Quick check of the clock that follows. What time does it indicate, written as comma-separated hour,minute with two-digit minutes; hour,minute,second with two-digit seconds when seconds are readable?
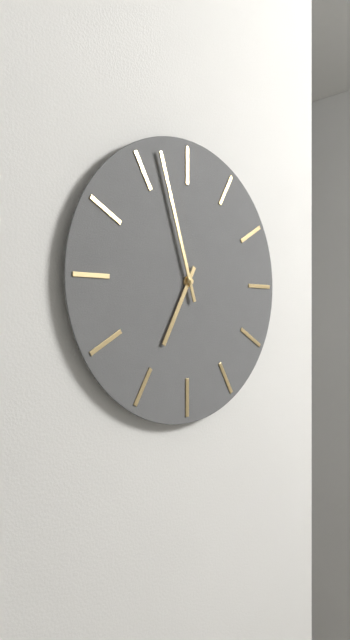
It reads 6,57
